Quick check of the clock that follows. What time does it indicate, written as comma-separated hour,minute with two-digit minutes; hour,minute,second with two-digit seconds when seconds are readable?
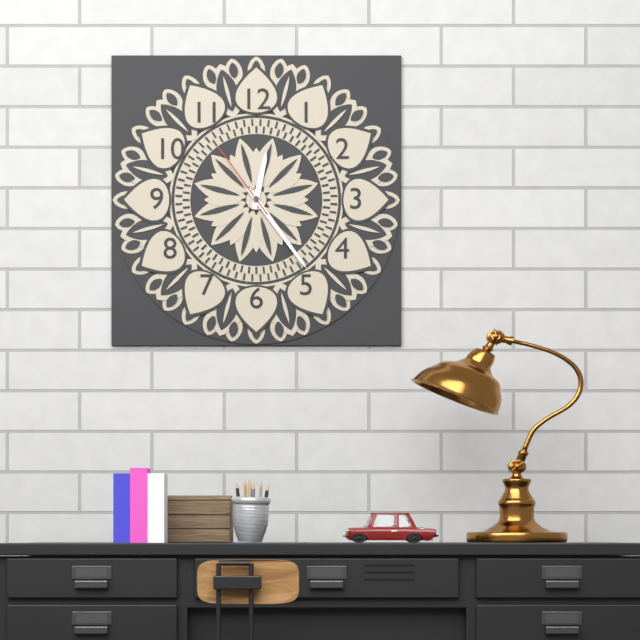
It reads 12,24,54
